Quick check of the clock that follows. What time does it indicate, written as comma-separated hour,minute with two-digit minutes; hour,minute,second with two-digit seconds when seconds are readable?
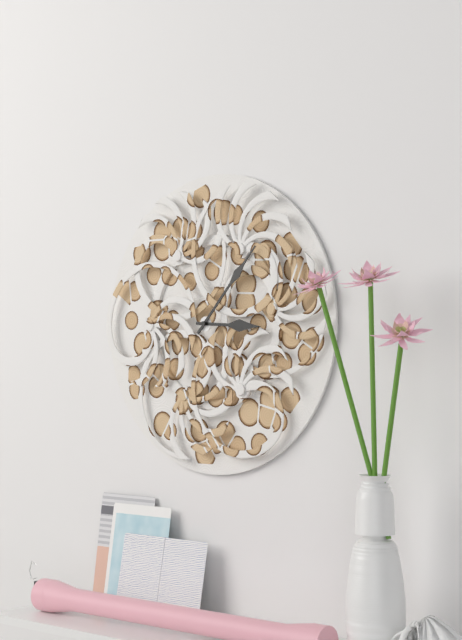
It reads 3,07
